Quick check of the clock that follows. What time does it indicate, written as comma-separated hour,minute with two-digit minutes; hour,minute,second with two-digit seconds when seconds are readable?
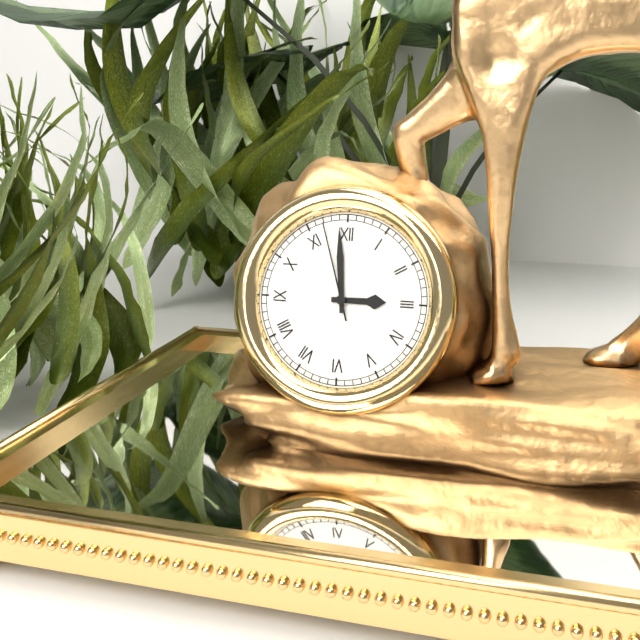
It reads 2,59,57
